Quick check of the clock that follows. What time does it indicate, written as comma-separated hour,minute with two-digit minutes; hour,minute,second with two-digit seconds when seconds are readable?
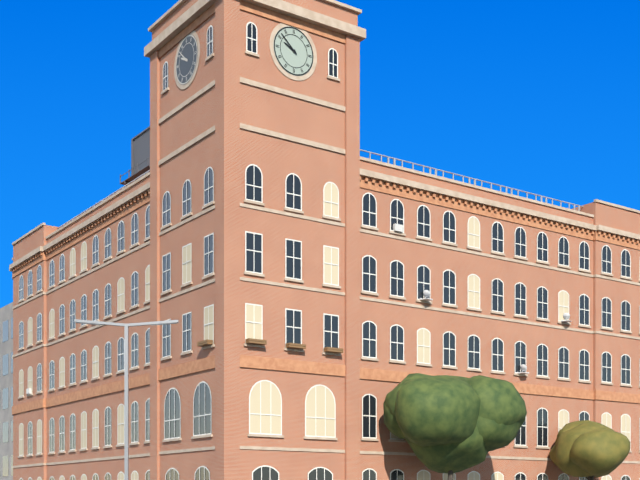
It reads 9,52
